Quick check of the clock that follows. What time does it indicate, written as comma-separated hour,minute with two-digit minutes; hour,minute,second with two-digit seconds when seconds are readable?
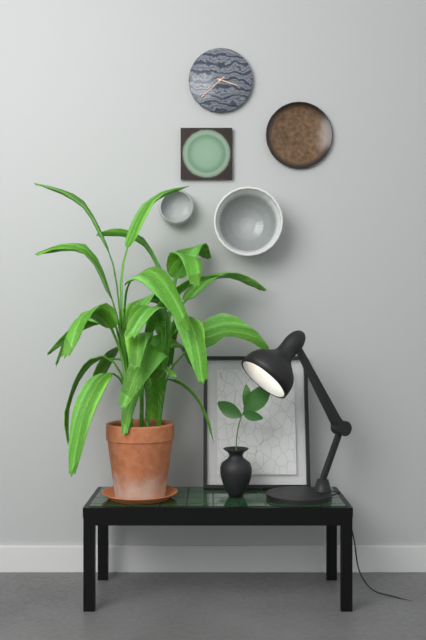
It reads 3,38
